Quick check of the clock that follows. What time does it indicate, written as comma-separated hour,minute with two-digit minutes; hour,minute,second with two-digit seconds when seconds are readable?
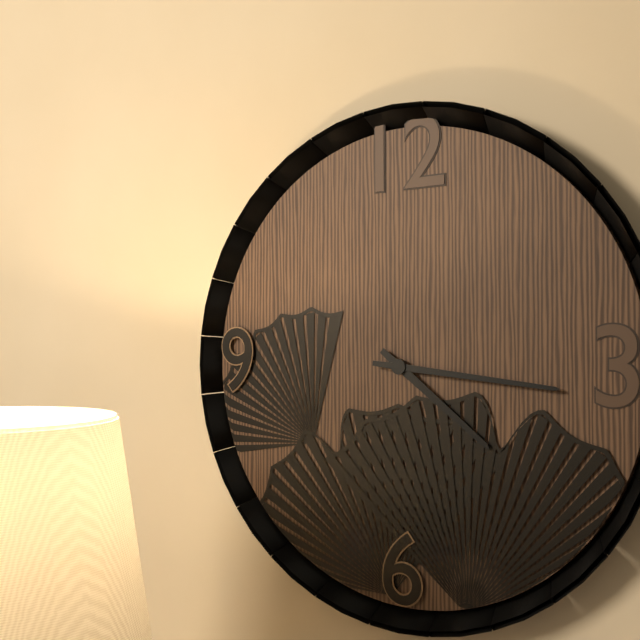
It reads 4,16
